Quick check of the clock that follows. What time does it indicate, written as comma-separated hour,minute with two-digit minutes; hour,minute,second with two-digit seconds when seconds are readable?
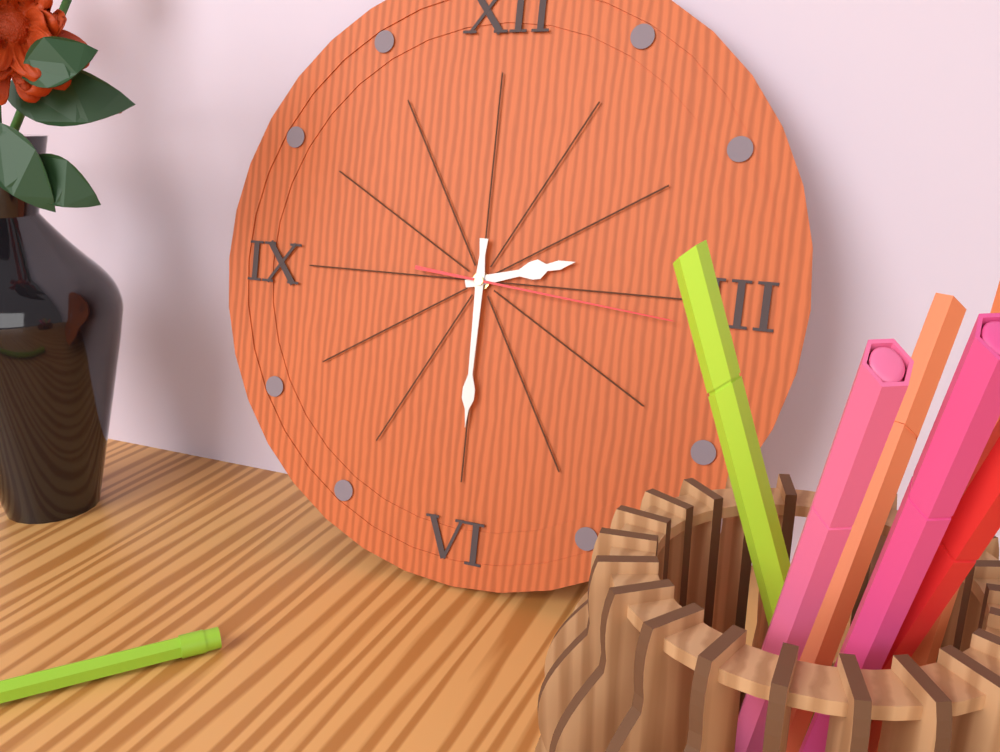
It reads 2,30,16
